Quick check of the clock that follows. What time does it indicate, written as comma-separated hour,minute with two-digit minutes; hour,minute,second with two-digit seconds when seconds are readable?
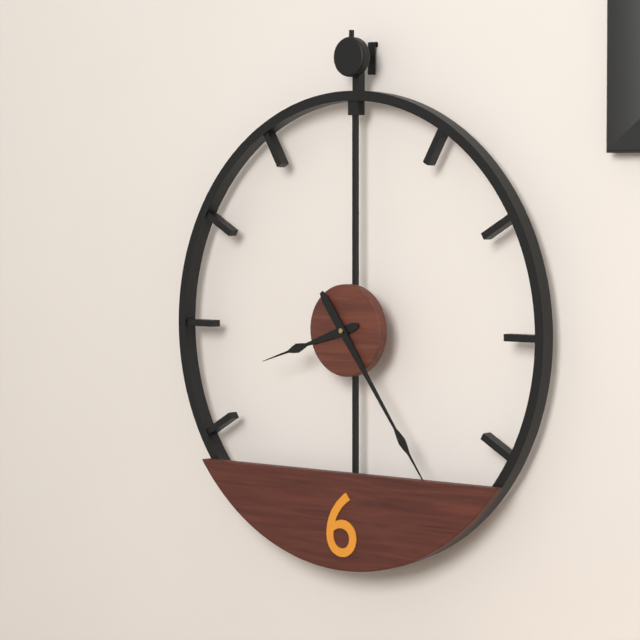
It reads 8,24
